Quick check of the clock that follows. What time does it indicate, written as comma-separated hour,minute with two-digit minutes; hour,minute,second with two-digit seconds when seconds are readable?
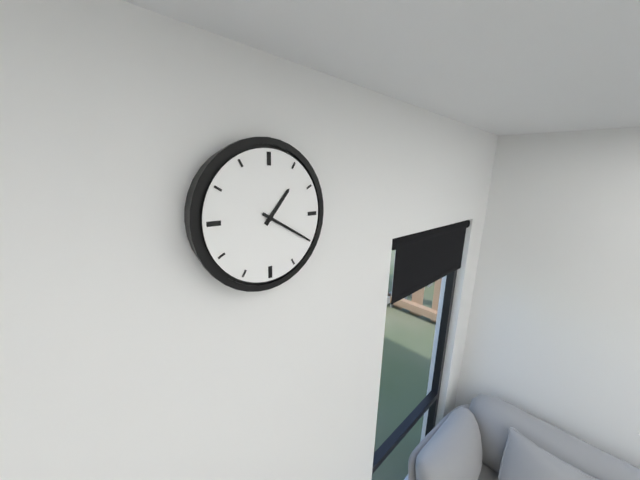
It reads 1,20
